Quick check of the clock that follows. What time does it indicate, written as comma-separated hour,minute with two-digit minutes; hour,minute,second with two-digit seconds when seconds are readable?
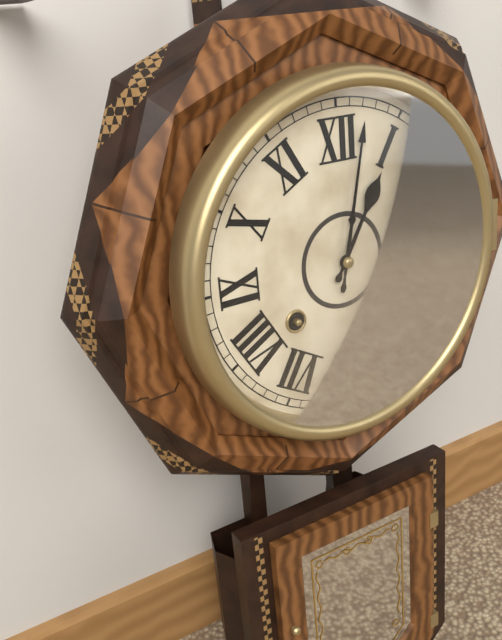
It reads 1,02
